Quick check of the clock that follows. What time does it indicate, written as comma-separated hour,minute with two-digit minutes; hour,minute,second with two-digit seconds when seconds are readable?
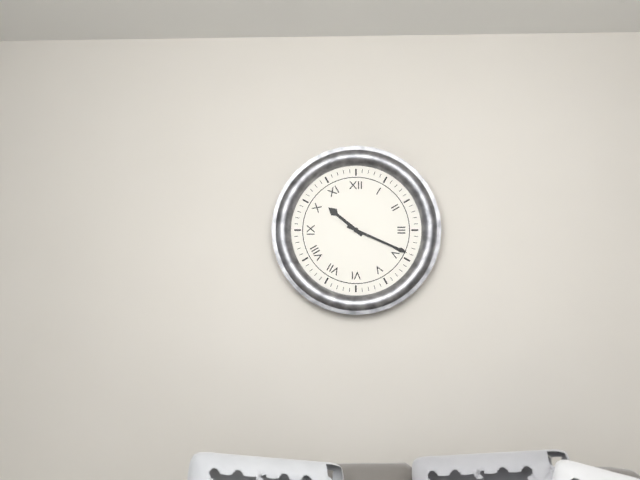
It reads 10,19
